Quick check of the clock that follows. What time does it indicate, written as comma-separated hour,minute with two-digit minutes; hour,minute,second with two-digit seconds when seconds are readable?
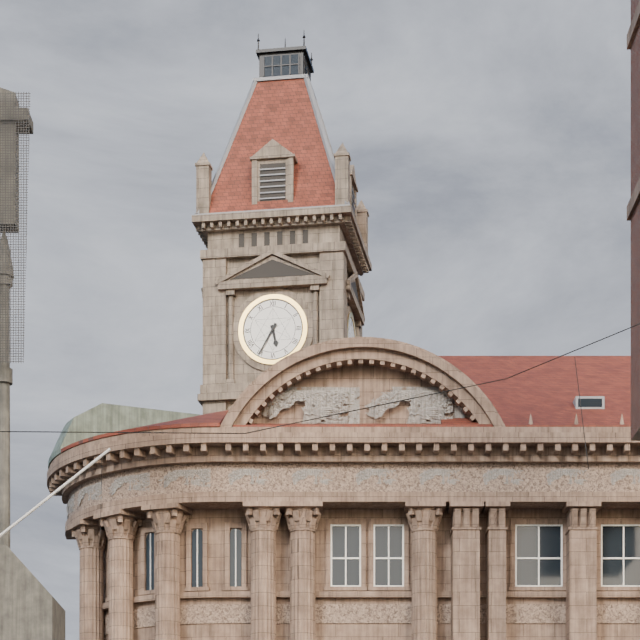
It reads 5,35
